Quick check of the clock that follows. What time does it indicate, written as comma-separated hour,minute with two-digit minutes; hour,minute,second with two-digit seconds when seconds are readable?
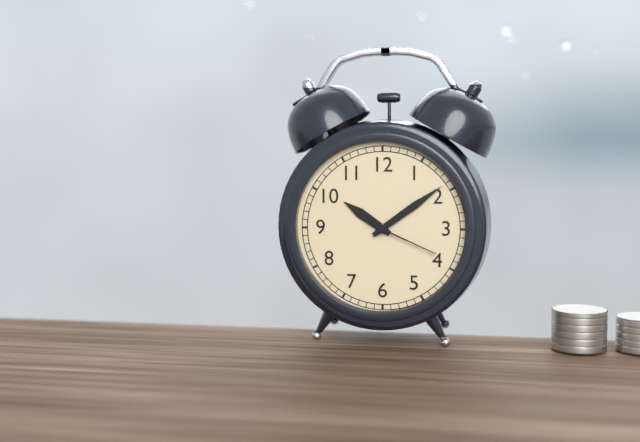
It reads 10,09,19
